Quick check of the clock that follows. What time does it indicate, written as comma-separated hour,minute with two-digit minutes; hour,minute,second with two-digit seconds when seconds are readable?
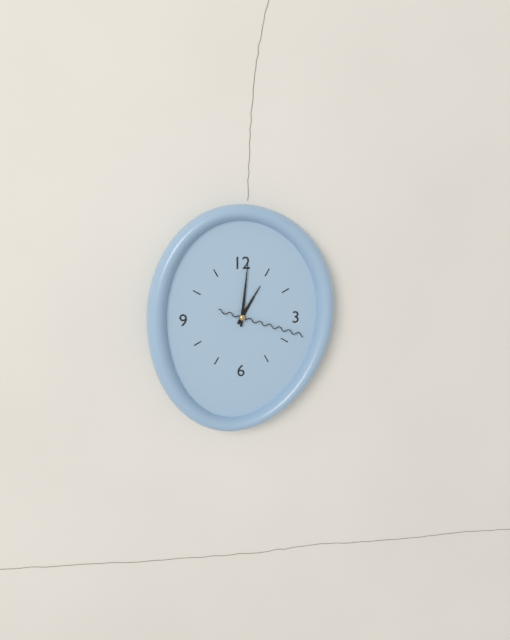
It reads 1,01,18
